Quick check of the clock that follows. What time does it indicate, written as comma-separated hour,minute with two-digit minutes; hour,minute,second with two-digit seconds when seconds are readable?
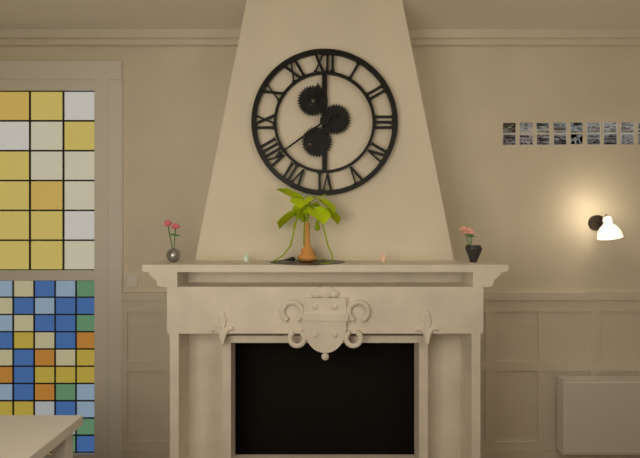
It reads 11,39
